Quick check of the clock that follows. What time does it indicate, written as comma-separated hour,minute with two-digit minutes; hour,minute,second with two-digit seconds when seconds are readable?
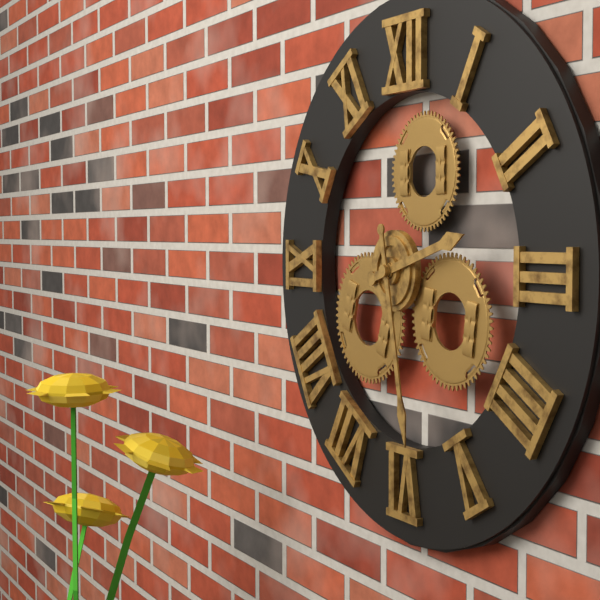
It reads 2,28
